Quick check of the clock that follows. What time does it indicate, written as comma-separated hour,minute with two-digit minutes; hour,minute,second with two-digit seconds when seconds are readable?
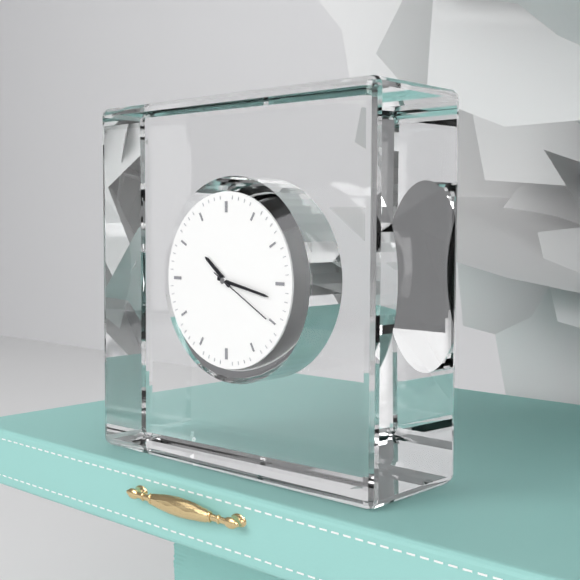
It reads 10,17,20
